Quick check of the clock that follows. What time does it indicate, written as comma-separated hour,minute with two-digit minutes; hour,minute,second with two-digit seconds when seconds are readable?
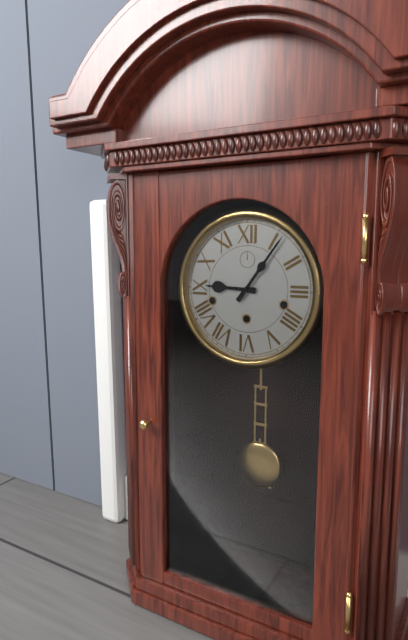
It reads 9,06
